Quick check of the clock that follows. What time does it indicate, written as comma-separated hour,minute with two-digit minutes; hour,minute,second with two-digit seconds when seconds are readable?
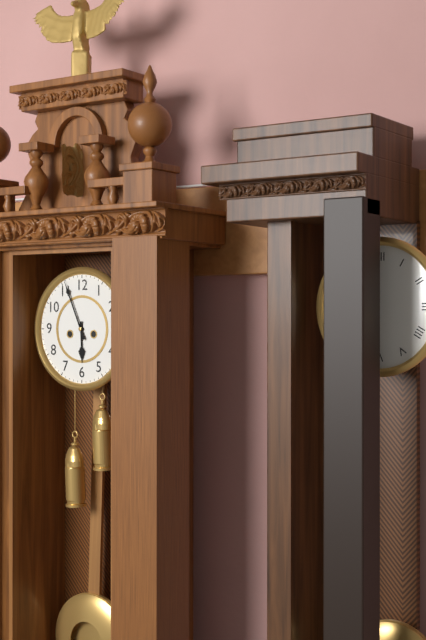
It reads 5,56
